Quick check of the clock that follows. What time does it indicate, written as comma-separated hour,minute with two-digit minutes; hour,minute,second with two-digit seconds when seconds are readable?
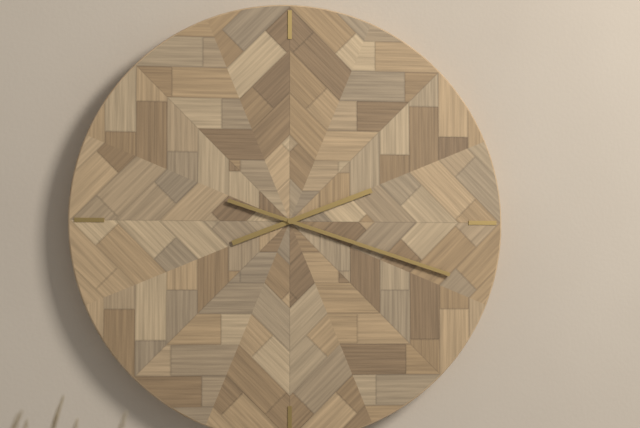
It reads 2,18
